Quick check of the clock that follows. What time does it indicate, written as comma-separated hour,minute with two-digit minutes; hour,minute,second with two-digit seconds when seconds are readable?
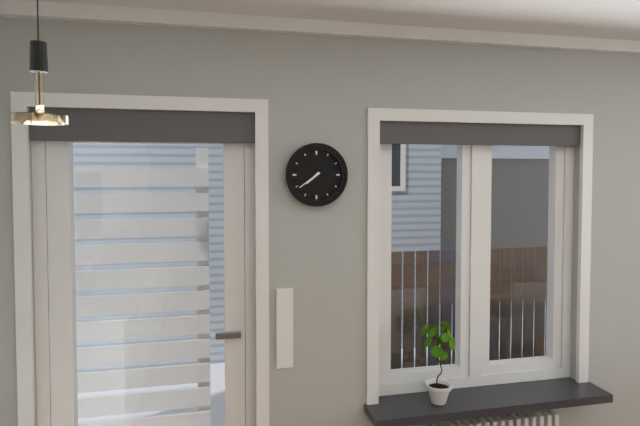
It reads 7,39
